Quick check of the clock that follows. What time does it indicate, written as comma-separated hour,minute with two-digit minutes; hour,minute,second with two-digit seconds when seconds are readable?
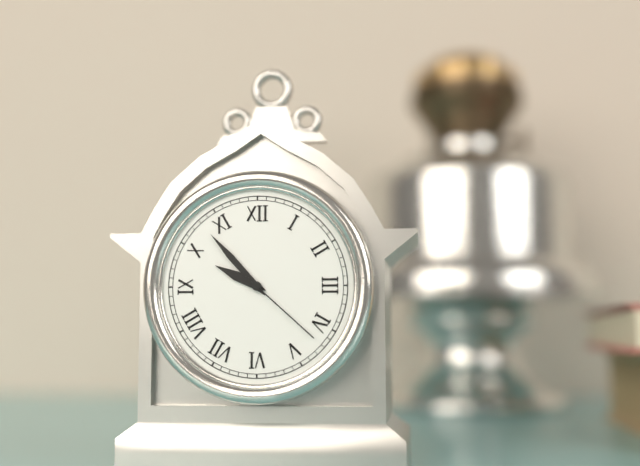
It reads 9,53,22
